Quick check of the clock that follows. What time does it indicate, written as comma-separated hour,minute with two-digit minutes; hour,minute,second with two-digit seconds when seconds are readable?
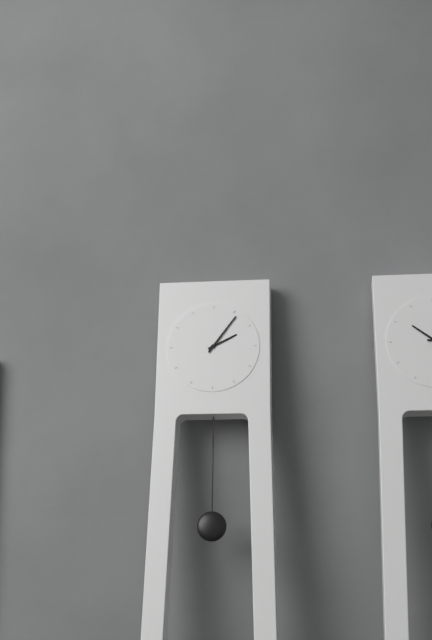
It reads 2,06
